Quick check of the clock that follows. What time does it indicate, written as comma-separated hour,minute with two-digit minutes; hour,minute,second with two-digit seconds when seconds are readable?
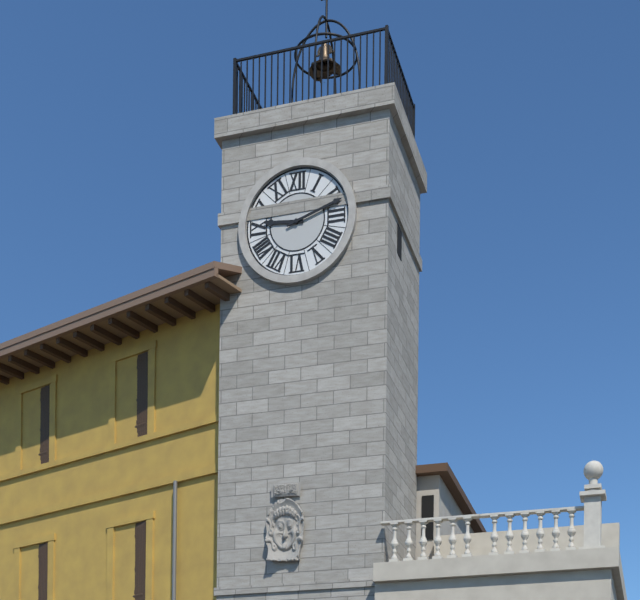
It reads 9,12
